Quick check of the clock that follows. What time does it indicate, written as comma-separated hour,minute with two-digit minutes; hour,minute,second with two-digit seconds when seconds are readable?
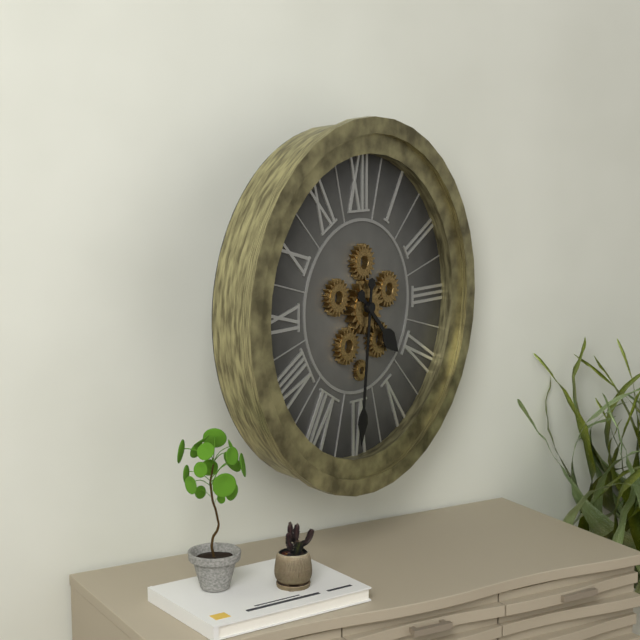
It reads 4,31
